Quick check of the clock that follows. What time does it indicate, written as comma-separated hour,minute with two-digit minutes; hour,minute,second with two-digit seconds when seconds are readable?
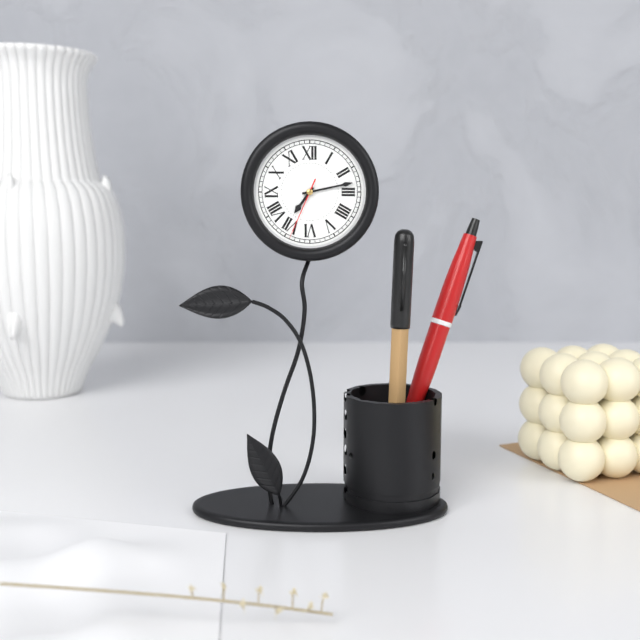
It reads 7,13,34
